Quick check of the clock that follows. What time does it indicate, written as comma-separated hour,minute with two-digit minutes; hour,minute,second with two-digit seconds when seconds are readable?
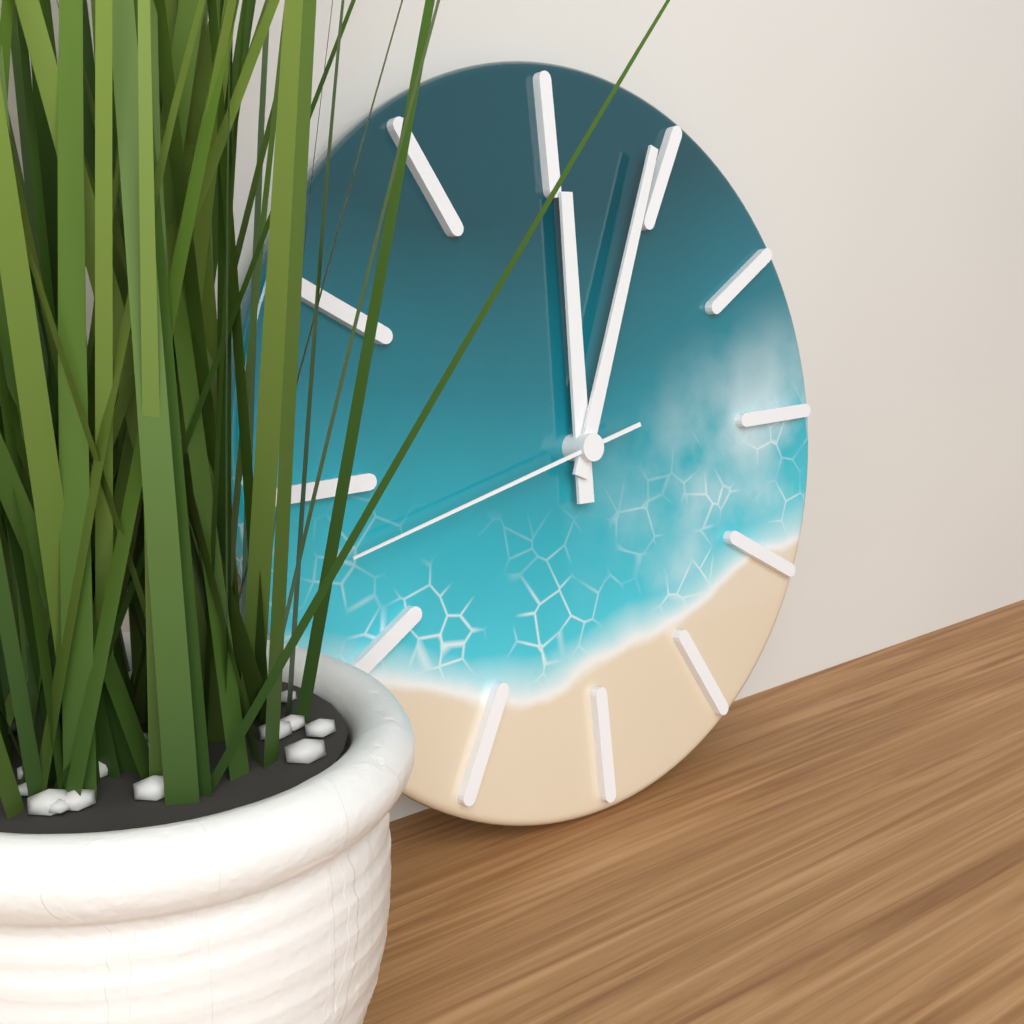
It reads 12,04,43
